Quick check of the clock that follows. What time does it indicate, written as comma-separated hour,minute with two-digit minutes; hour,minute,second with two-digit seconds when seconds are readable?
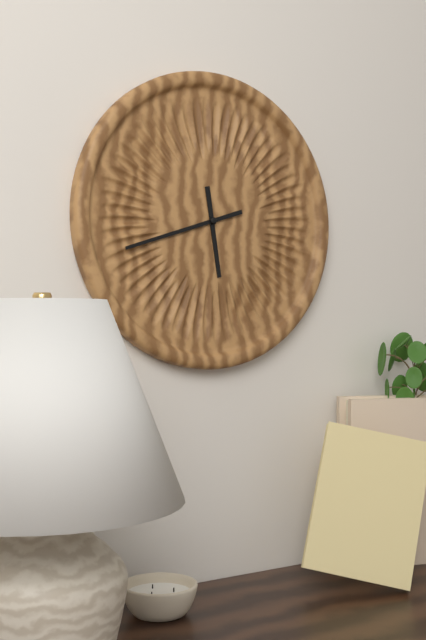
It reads 5,42
